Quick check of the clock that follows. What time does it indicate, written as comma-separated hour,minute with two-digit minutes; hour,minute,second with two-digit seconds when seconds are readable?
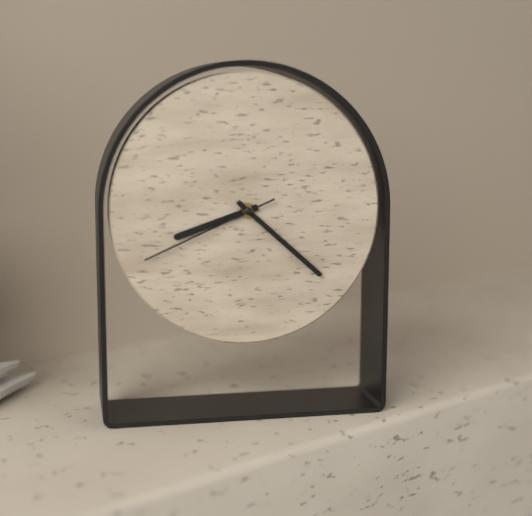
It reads 8,22,41
